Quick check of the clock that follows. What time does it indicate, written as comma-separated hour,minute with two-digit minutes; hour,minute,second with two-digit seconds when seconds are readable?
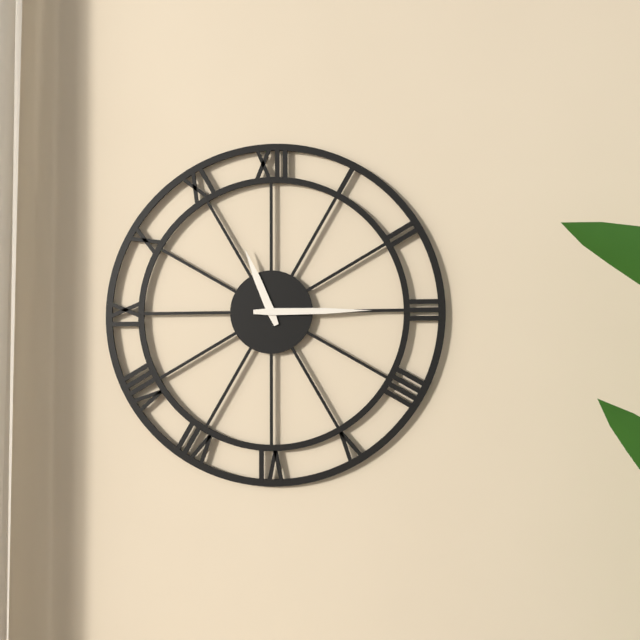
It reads 11,15
